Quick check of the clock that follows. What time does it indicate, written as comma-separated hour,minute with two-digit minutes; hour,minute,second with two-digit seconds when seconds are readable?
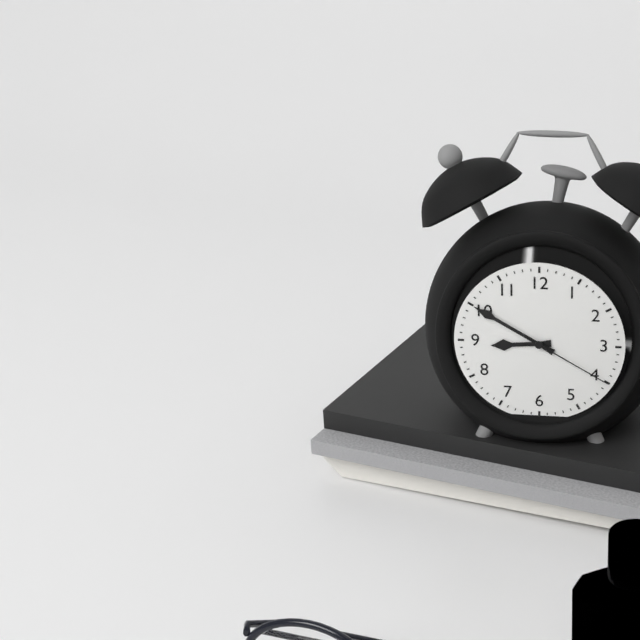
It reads 8,50,20
